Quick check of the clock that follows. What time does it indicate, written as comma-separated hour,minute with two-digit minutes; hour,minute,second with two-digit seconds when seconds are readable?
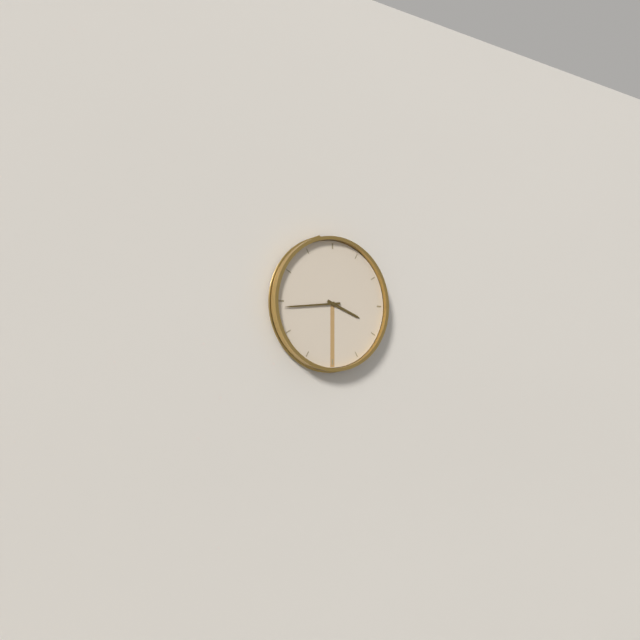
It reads 3,44
